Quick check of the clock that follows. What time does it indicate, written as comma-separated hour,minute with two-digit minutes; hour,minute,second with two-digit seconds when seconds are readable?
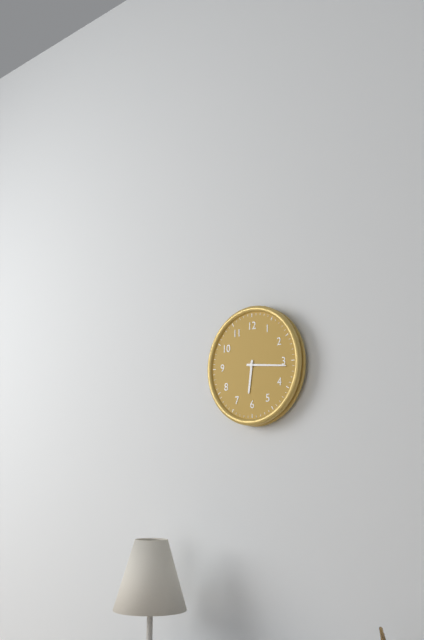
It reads 6,16
